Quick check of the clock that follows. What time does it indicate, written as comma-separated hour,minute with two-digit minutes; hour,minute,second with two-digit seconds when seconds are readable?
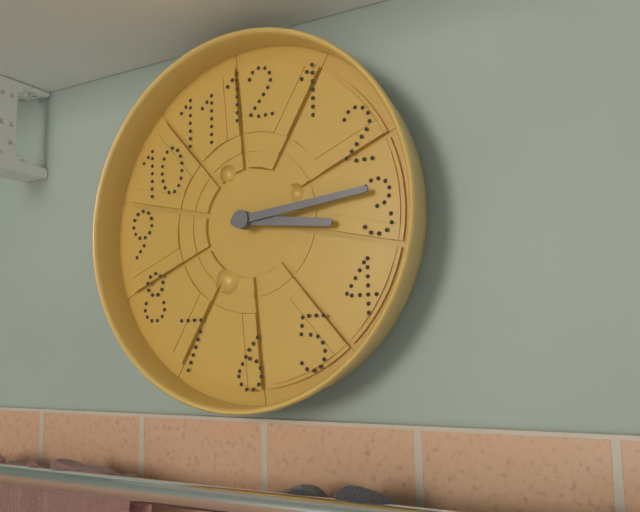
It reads 3,14
